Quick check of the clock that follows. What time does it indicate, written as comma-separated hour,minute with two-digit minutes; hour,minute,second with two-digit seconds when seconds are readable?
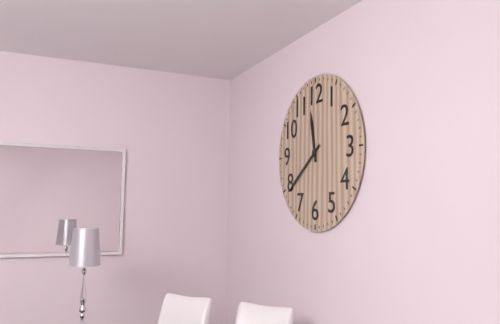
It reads 11,39
